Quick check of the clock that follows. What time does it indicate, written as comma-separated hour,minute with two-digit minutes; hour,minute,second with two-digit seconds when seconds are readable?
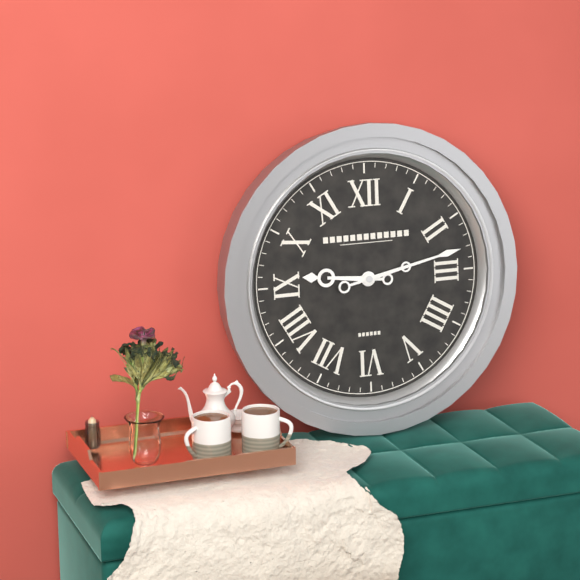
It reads 9,13
